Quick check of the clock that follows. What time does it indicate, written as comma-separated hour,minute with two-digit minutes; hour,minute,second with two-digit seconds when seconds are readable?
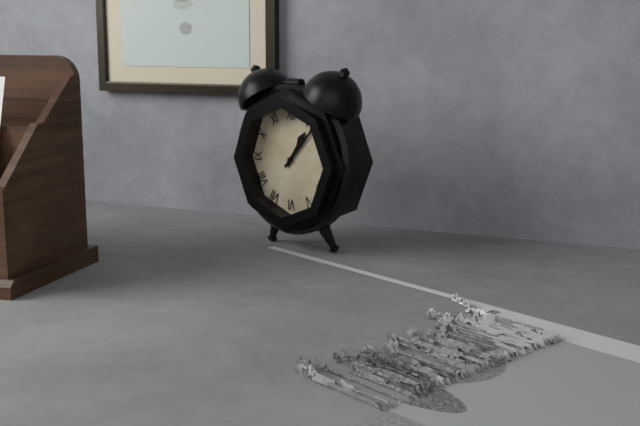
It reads 1,07
